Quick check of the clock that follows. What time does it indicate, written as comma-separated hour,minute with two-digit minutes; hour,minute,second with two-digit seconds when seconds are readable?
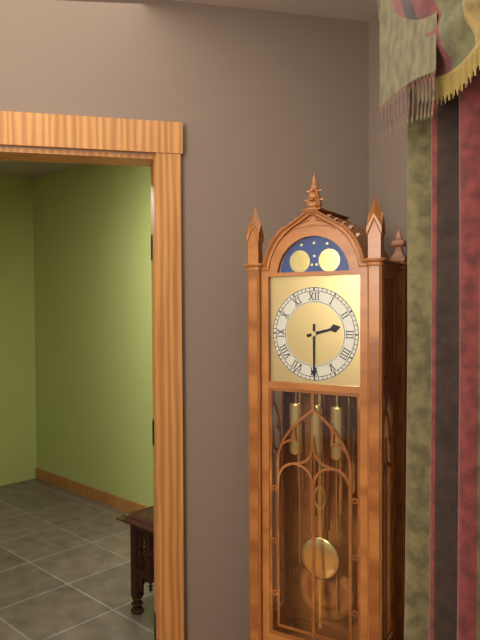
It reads 2,30
